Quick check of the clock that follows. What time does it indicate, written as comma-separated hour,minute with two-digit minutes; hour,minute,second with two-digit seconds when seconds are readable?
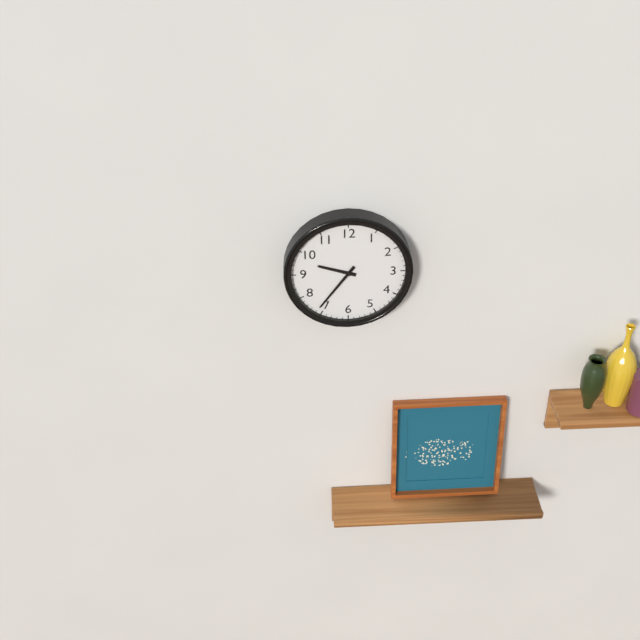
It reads 9,36
